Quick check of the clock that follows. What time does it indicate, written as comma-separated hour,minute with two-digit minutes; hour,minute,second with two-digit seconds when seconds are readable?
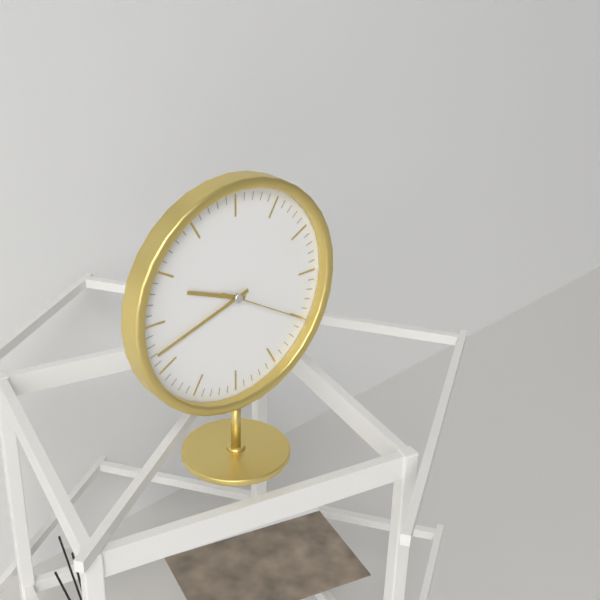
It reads 9,42,20
